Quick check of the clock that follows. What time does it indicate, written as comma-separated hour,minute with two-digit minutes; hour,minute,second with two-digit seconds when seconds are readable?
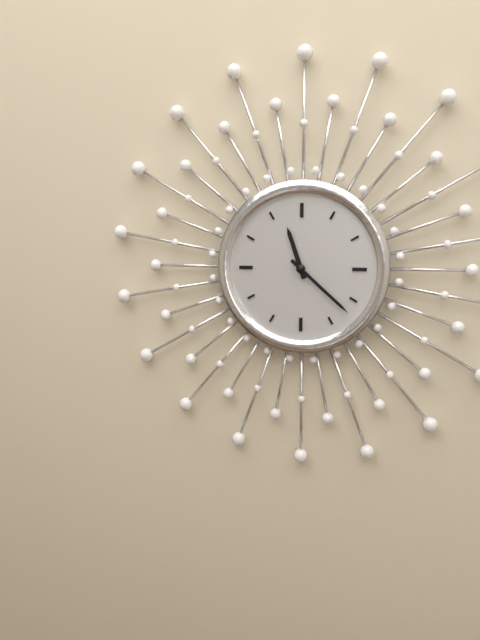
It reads 11,22
